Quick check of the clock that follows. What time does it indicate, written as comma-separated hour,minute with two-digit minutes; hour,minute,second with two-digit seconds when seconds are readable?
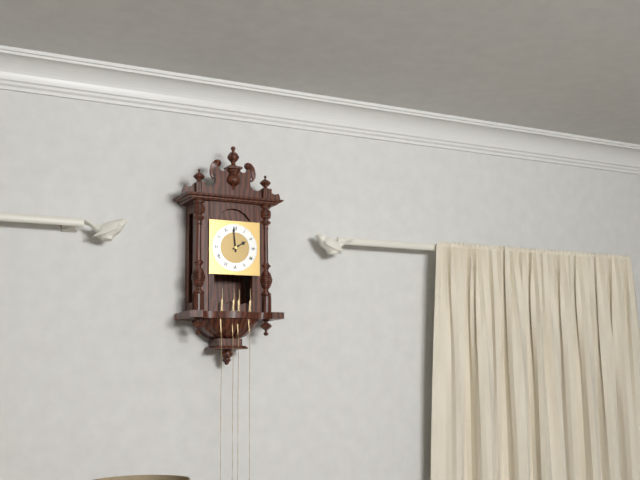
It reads 1,59
